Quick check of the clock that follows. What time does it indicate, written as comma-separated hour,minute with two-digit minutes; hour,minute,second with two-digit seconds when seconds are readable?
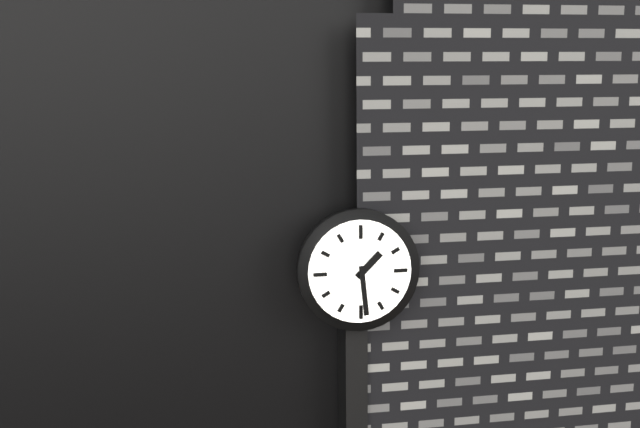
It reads 1,29
